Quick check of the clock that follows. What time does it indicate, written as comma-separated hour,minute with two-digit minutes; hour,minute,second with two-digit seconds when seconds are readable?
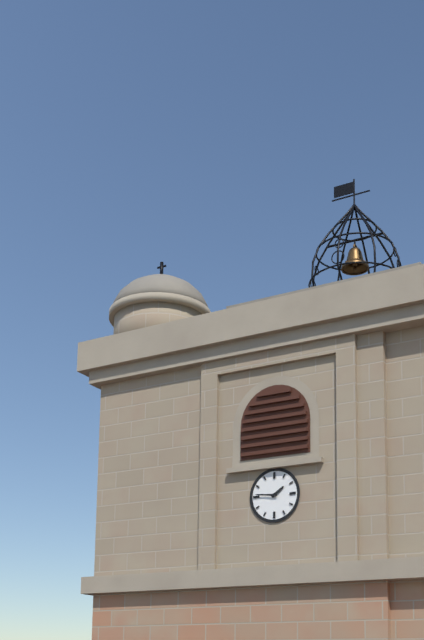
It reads 1,46
